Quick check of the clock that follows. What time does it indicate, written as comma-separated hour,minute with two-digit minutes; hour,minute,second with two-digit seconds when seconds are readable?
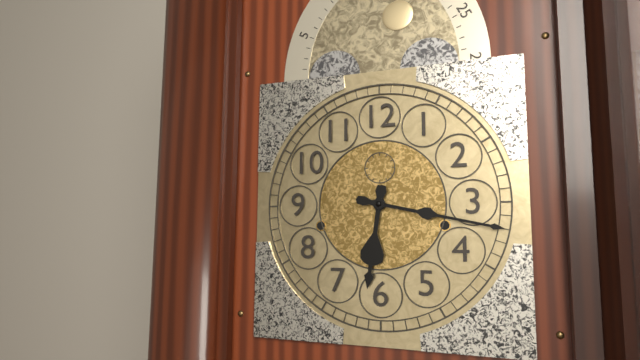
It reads 6,17
